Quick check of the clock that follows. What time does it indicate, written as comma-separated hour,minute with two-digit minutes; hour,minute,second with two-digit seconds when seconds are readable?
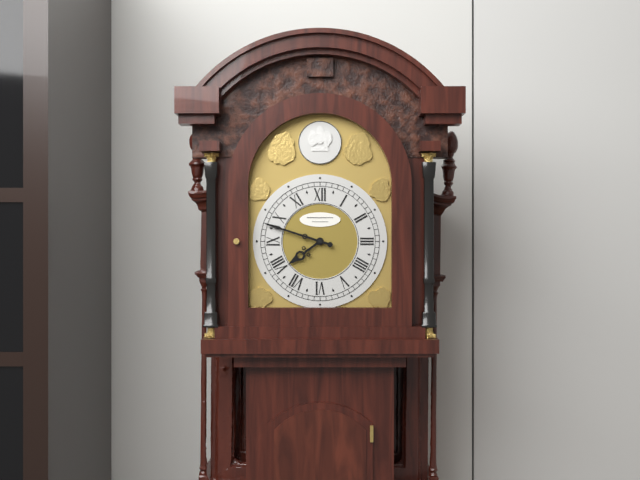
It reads 7,48
